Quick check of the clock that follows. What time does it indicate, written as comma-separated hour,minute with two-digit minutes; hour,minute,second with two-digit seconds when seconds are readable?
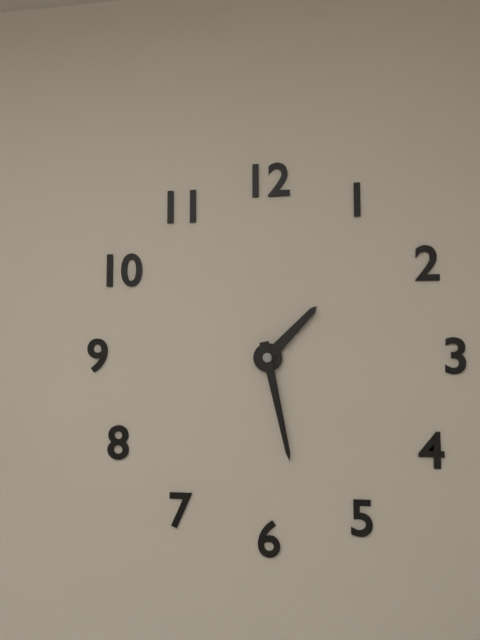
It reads 1,28
